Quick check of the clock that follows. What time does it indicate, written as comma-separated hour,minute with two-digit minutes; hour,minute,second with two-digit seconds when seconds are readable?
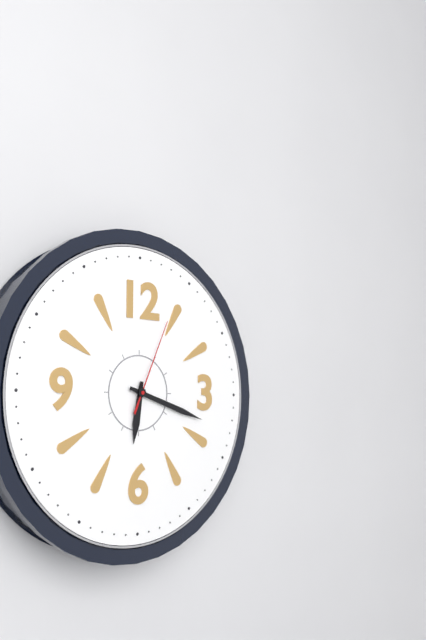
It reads 6,18,04
